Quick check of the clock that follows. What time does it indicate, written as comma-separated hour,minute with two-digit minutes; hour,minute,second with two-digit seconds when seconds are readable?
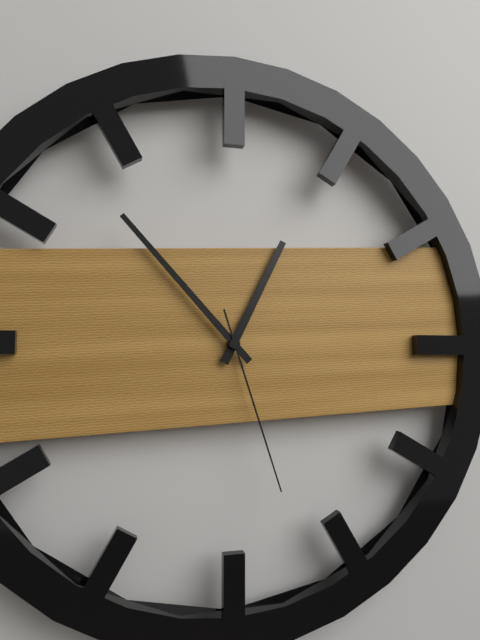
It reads 12,53,27
